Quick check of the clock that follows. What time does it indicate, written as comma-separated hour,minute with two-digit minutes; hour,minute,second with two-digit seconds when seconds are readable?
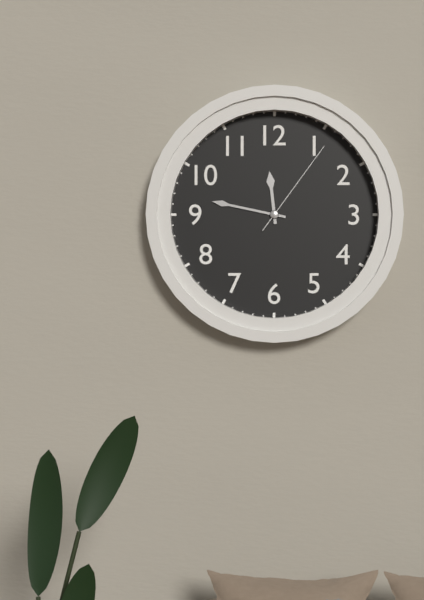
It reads 11,47,06
